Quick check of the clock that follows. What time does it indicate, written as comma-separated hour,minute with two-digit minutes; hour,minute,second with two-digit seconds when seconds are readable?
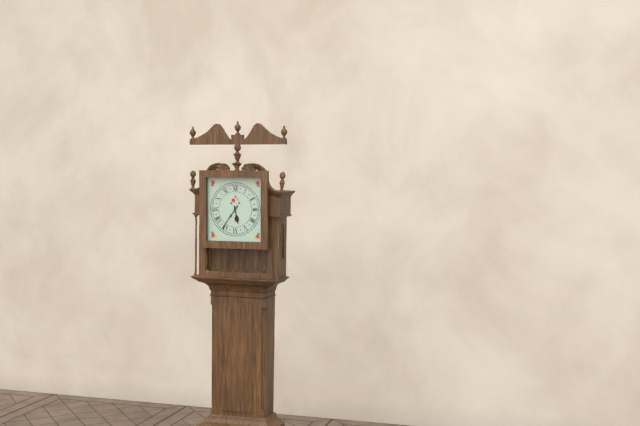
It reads 5,36
